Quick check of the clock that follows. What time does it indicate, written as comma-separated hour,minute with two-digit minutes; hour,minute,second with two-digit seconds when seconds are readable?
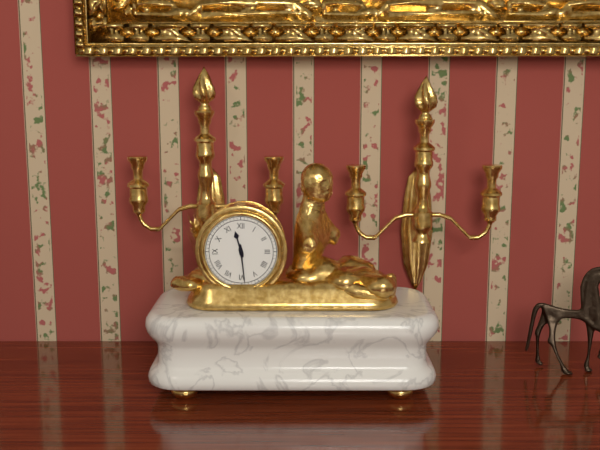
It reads 11,29
